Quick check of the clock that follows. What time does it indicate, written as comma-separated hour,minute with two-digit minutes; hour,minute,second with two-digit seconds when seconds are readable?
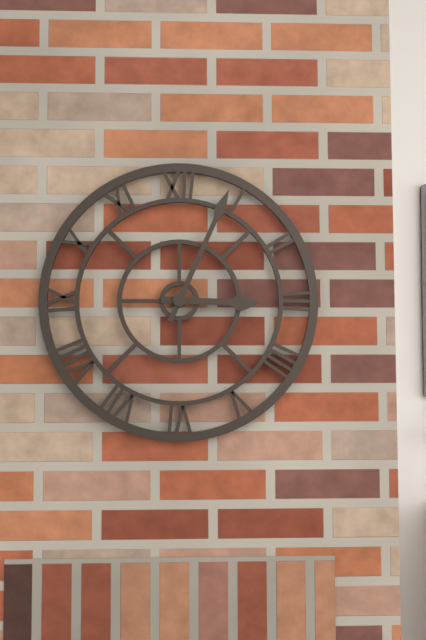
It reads 3,04
